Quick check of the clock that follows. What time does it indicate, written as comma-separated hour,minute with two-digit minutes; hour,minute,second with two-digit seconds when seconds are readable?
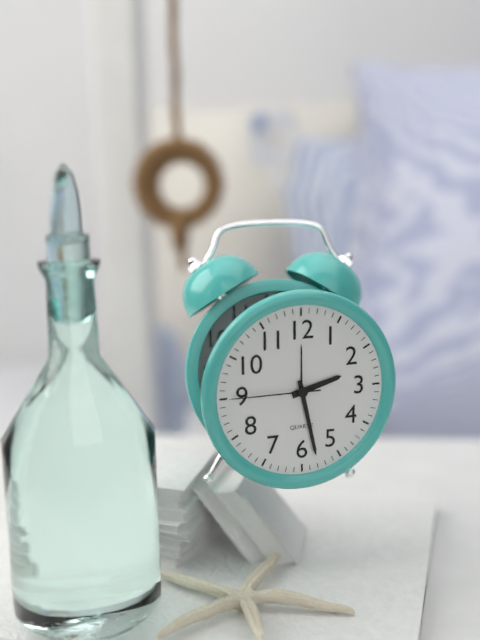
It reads 2,28,45
